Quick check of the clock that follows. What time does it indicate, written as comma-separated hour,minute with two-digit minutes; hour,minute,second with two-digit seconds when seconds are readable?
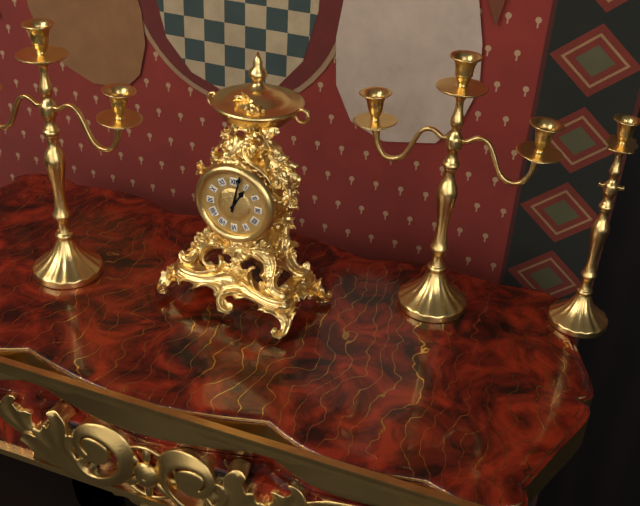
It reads 1,02
